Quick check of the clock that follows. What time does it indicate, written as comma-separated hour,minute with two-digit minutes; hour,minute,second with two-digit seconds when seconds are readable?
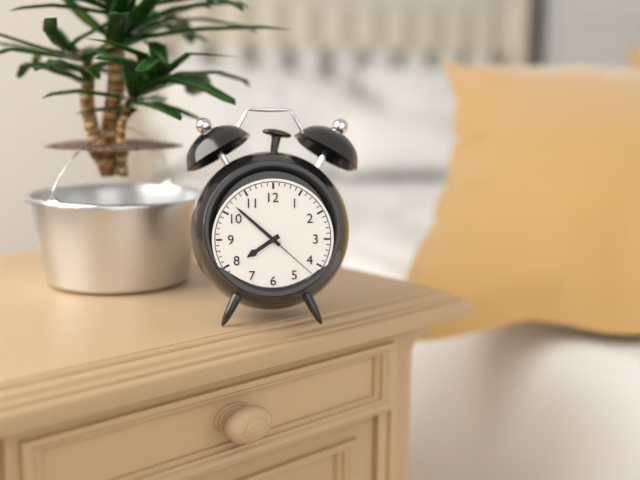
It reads 7,52,22
